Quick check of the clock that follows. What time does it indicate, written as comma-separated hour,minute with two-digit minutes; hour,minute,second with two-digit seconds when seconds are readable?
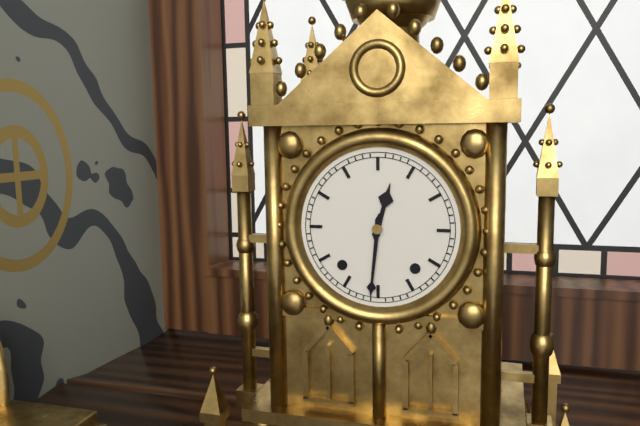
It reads 12,31
